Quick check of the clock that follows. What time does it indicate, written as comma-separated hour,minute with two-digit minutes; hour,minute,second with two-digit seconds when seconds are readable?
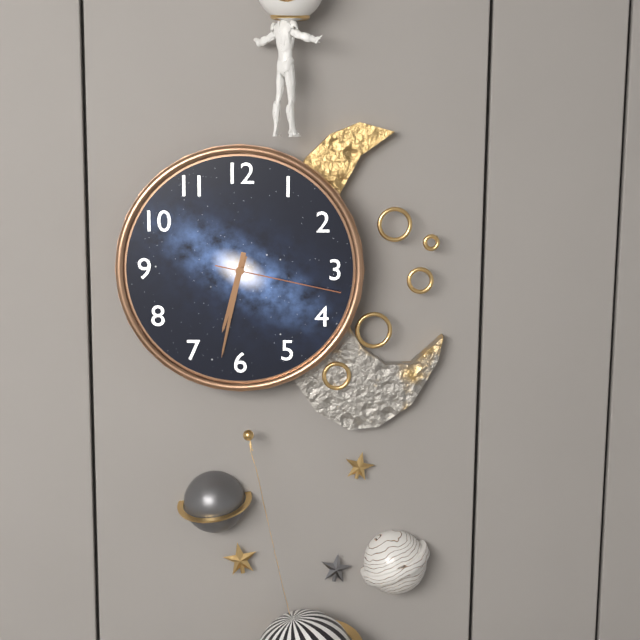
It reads 6,32,17
